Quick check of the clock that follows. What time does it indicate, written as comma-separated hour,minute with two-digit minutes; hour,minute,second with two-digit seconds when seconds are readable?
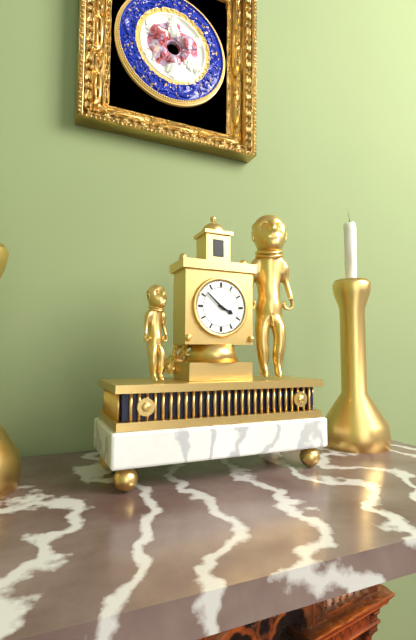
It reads 3,52
